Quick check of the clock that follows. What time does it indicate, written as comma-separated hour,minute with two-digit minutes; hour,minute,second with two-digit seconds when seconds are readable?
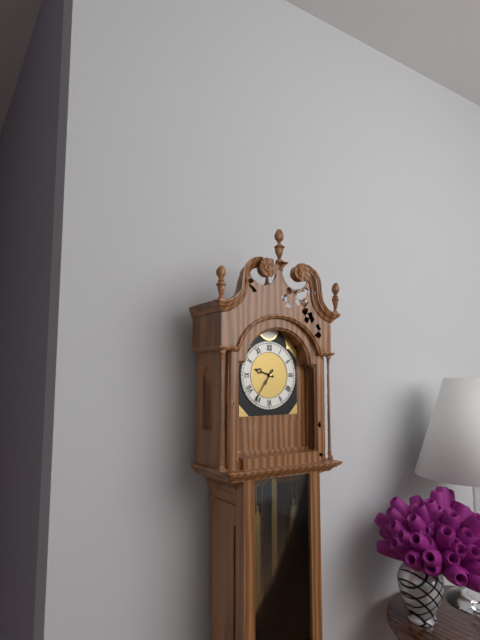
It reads 9,36
